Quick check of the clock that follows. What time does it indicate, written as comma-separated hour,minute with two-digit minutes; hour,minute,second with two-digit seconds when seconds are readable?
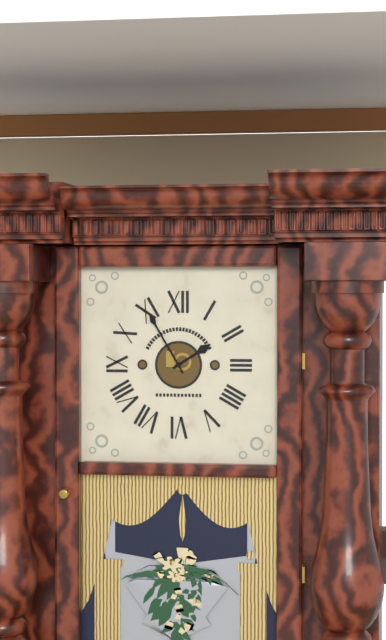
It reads 1,55
